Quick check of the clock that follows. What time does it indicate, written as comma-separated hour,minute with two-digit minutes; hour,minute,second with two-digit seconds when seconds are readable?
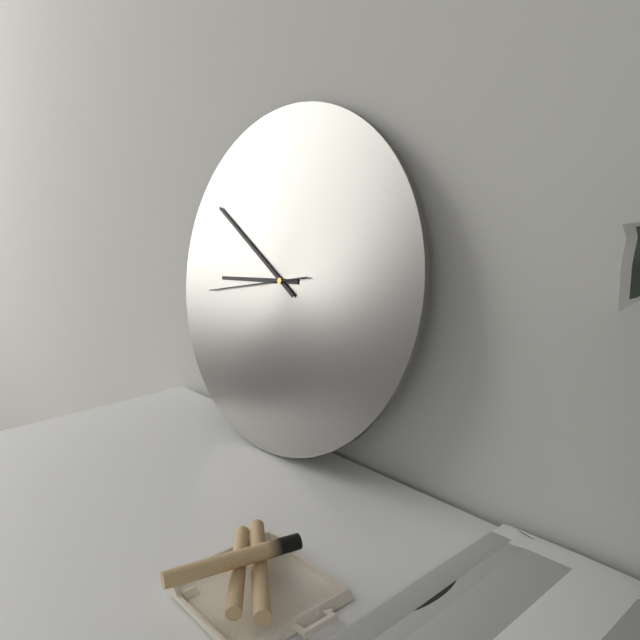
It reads 8,50,43
